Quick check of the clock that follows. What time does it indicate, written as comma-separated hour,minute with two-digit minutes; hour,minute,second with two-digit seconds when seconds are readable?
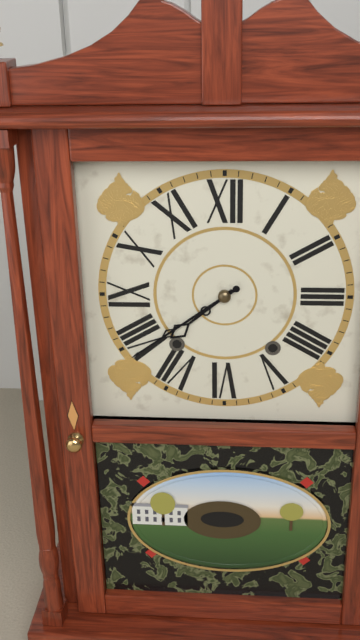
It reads 7,39
